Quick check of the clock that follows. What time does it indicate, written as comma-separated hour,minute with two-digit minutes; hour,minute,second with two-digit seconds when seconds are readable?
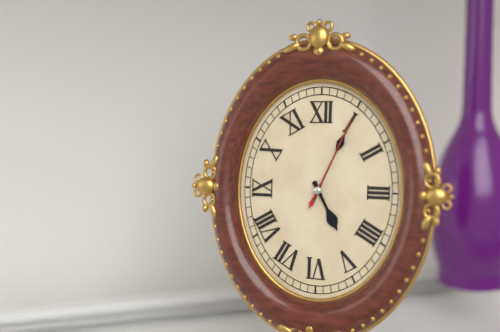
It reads 5,04,04
